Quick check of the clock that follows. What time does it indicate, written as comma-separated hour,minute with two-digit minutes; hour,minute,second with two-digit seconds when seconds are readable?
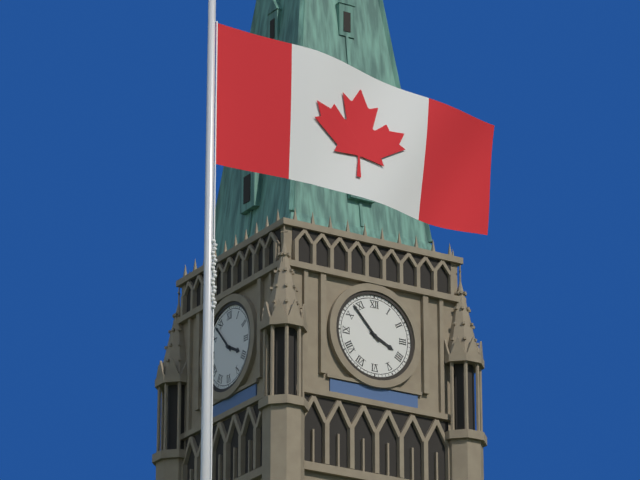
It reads 3,53
